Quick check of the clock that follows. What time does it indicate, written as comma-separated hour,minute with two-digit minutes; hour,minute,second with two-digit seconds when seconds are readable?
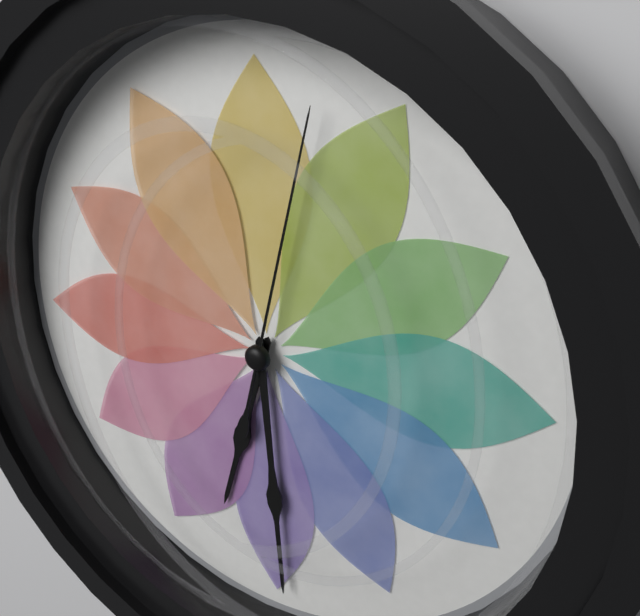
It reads 6,29,02
